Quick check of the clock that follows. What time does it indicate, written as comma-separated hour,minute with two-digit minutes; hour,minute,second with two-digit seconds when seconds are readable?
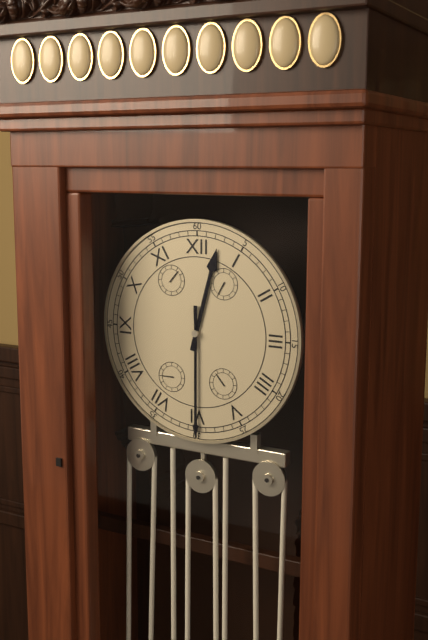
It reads 12,30
